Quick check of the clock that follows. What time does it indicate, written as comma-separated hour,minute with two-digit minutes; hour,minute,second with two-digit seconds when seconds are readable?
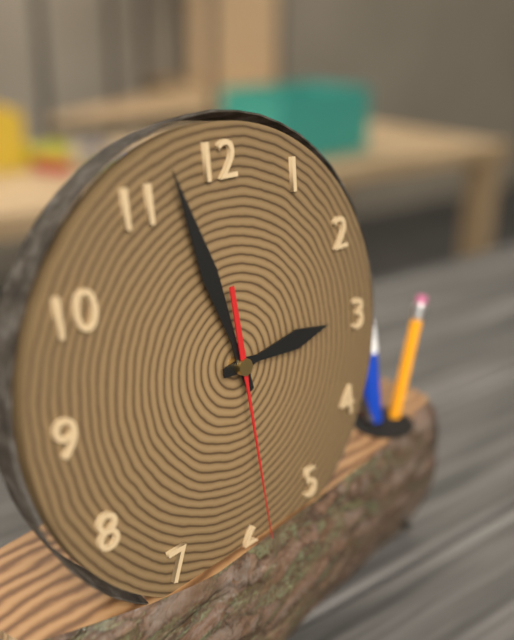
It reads 2,57,29
